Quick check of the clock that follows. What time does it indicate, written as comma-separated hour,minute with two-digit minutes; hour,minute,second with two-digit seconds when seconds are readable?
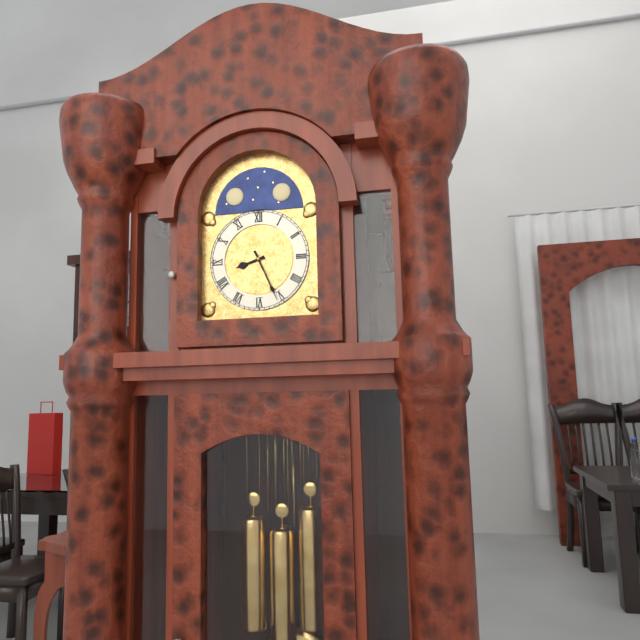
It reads 8,26
